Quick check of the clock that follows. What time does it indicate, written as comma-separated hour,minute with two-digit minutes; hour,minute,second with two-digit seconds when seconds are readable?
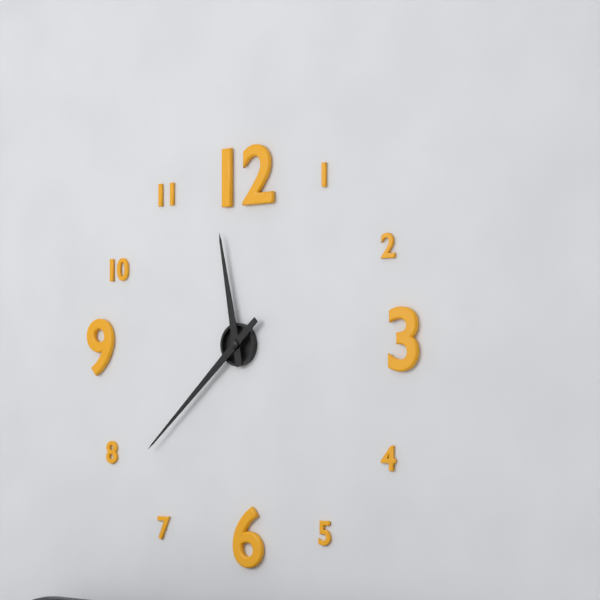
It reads 11,38
